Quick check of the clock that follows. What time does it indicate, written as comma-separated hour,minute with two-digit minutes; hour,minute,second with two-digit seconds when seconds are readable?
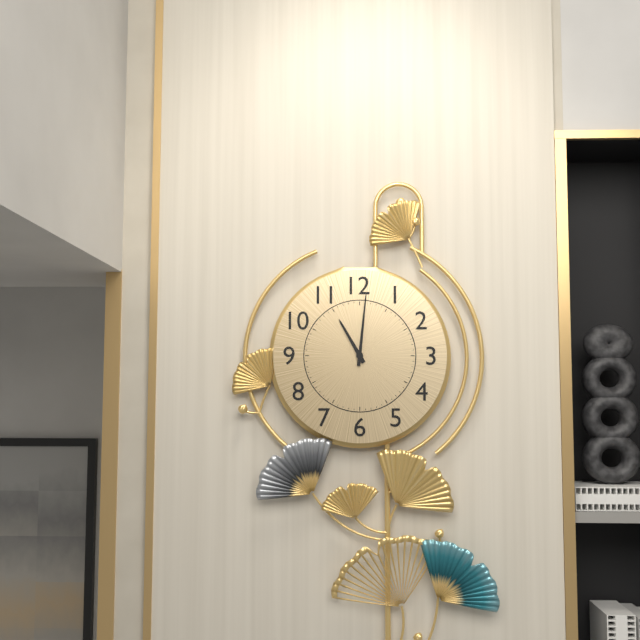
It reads 11,01
